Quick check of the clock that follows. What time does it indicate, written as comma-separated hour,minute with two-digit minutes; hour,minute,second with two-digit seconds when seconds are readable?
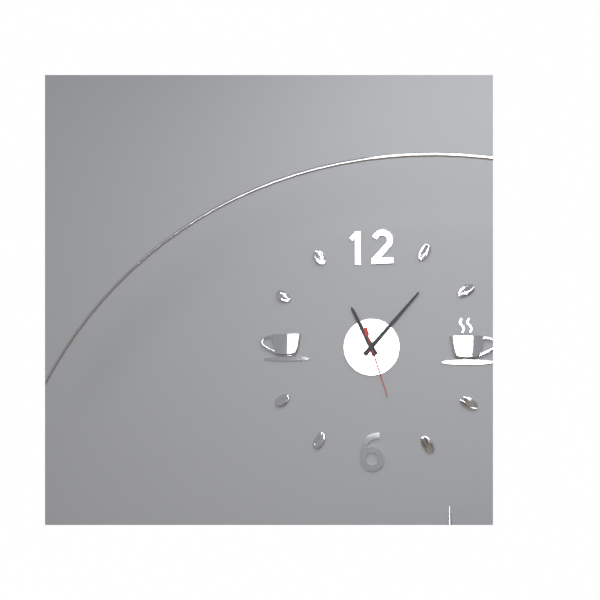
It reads 11,07,27
